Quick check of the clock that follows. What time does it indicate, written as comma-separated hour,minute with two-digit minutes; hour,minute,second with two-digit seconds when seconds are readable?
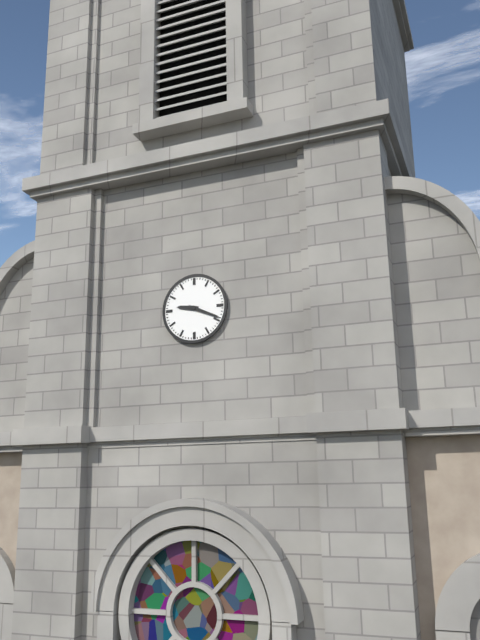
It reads 9,19
